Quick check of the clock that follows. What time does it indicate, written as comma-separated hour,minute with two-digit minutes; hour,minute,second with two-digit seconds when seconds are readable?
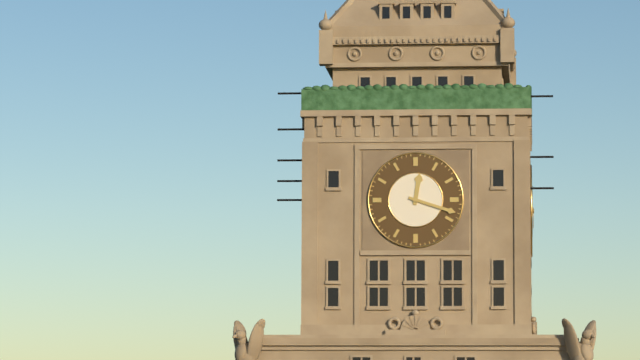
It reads 12,18
